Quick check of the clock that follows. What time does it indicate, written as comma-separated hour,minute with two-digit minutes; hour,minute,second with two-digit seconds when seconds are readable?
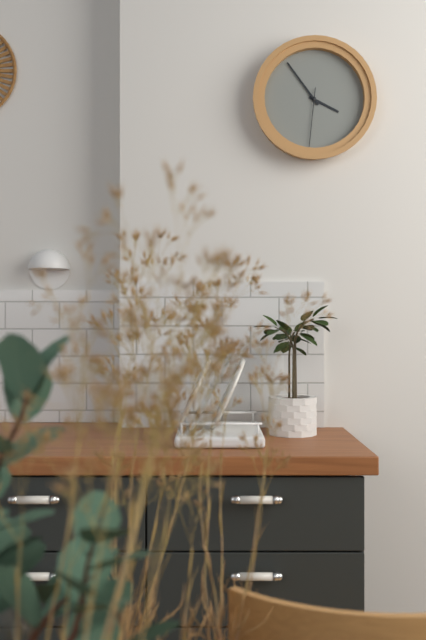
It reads 3,54,31
